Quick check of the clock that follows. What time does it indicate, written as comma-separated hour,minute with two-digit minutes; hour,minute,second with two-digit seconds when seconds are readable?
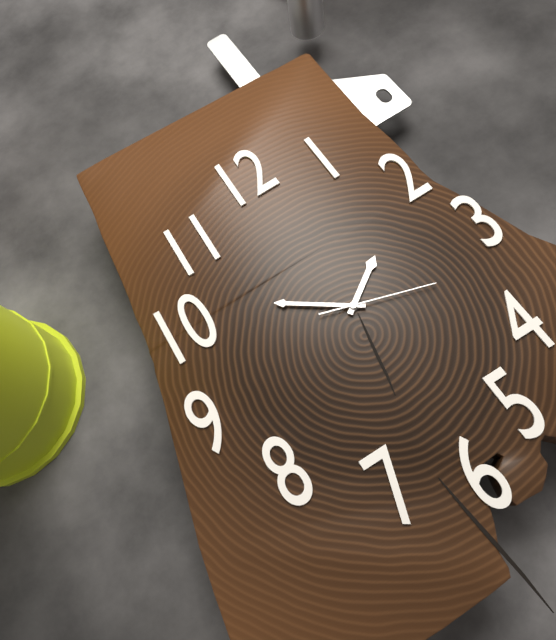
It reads 1,51,18
